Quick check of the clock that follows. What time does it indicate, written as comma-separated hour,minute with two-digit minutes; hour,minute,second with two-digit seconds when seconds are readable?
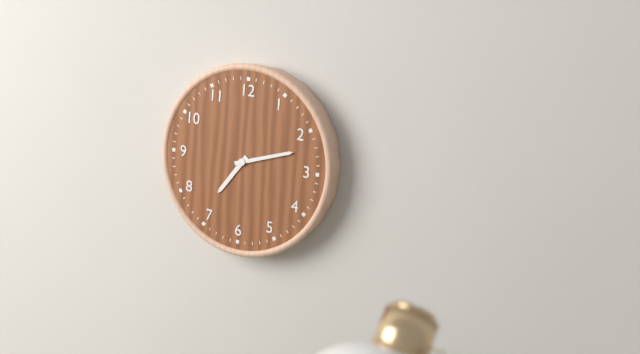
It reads 7,12
